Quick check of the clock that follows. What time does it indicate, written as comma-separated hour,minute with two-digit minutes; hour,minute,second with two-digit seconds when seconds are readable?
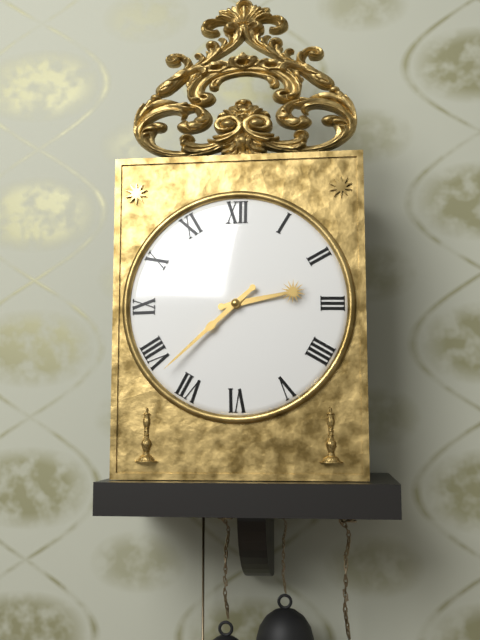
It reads 2,38
